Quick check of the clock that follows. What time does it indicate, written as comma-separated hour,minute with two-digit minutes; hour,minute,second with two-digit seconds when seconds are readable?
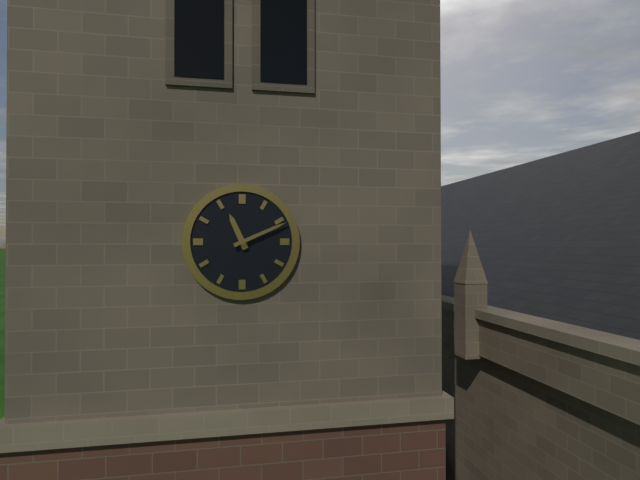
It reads 11,11
